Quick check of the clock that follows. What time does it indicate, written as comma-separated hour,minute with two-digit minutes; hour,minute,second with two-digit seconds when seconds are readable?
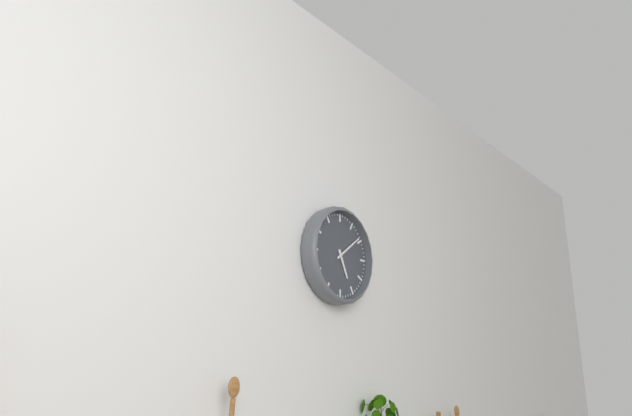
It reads 5,09
